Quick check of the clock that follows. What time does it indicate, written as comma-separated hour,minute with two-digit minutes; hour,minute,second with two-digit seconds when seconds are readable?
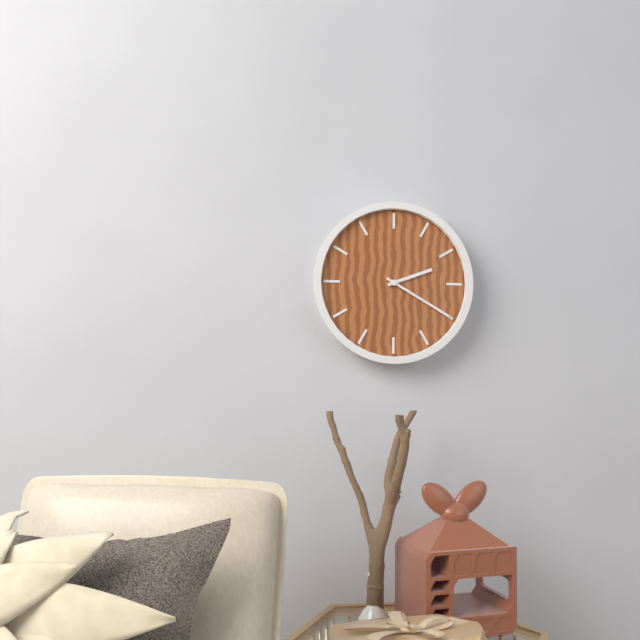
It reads 2,20
